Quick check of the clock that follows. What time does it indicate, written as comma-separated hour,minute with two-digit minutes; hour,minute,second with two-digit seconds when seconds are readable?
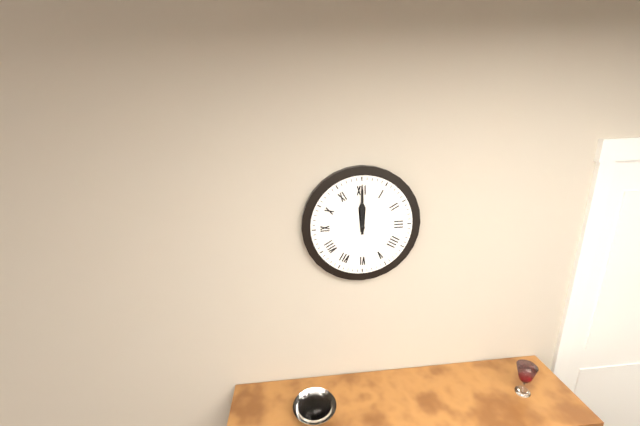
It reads 12,00
